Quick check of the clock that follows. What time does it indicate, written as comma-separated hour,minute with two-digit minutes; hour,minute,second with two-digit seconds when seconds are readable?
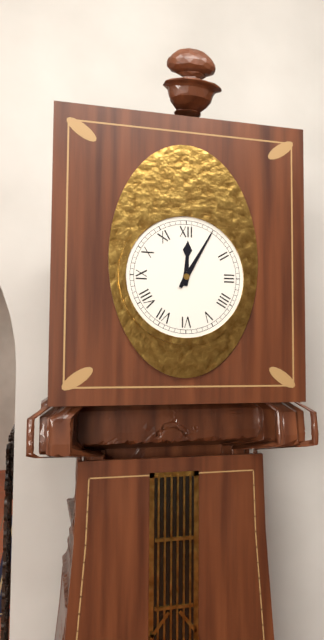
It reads 12,05
